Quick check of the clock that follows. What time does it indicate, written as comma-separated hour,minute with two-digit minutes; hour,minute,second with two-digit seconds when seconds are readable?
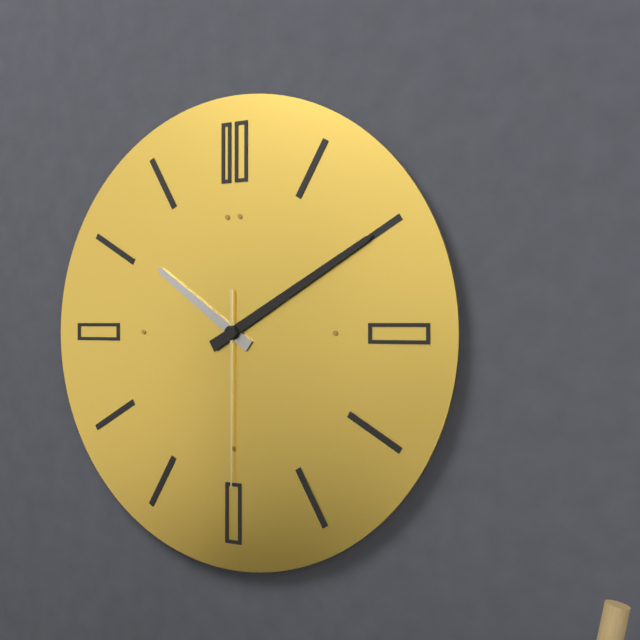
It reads 10,10,30
